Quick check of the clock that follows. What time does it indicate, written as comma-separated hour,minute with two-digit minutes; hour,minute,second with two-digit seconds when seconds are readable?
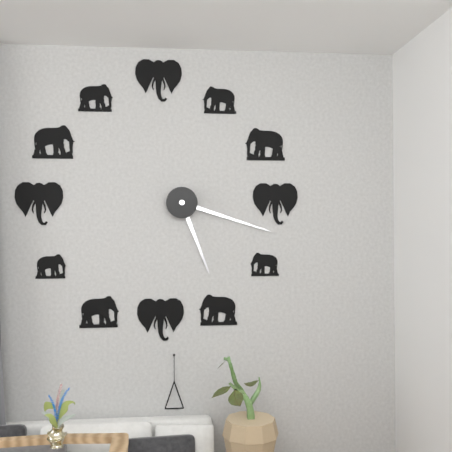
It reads 5,18
